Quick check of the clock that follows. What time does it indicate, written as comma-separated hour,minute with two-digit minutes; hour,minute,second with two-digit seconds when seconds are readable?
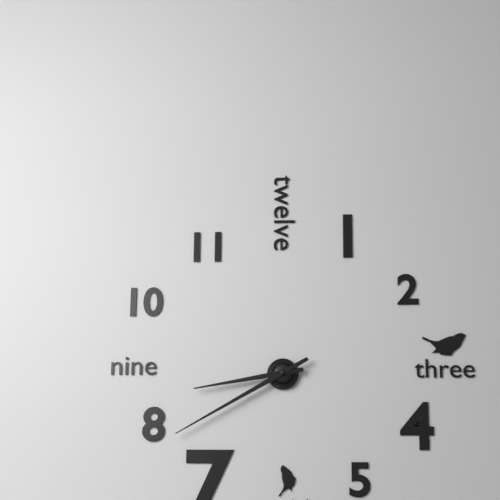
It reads 8,40
